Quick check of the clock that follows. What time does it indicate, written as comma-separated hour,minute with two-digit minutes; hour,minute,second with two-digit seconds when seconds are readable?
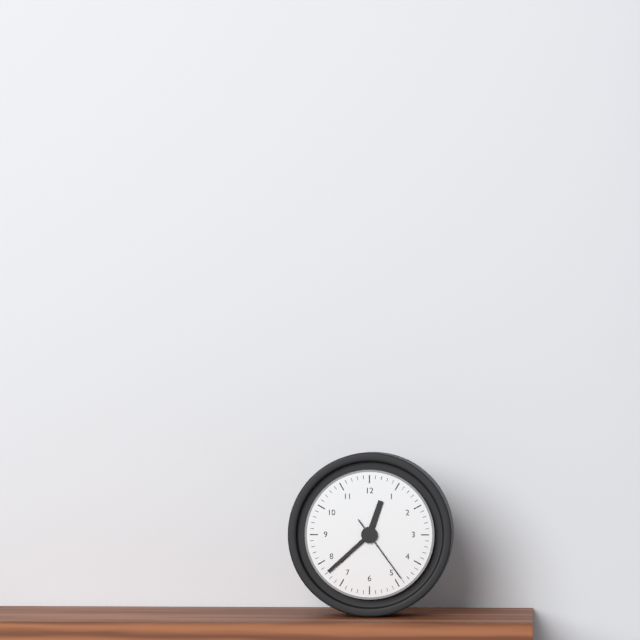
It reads 12,38,24
